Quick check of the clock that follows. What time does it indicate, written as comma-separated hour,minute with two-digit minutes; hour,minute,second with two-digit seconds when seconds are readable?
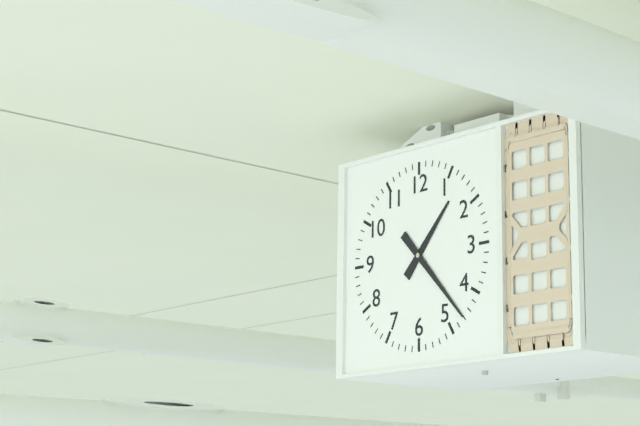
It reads 1,23
